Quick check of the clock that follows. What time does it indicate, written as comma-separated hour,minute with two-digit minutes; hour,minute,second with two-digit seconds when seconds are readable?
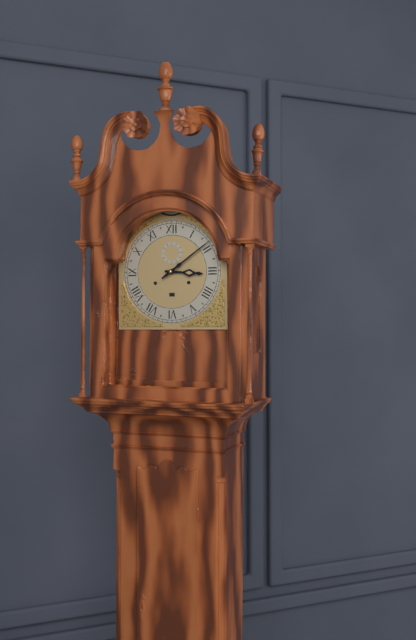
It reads 3,09
